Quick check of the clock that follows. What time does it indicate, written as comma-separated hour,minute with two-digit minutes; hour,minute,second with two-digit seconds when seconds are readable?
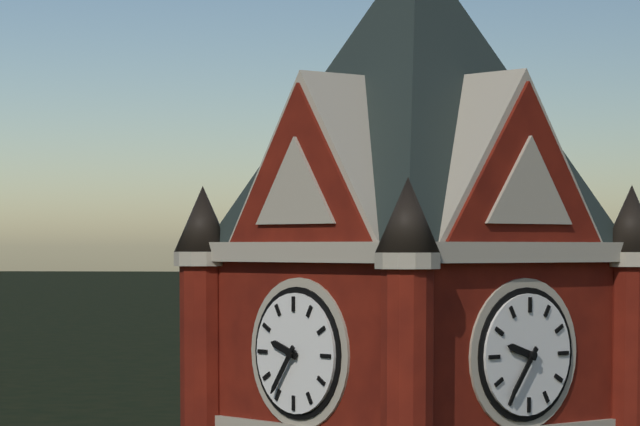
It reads 9,36
